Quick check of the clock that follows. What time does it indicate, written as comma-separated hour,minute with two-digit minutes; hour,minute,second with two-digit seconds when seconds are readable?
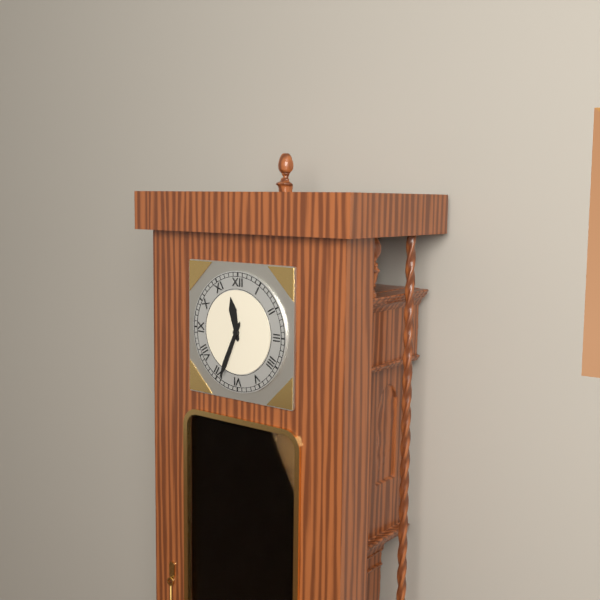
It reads 11,34
